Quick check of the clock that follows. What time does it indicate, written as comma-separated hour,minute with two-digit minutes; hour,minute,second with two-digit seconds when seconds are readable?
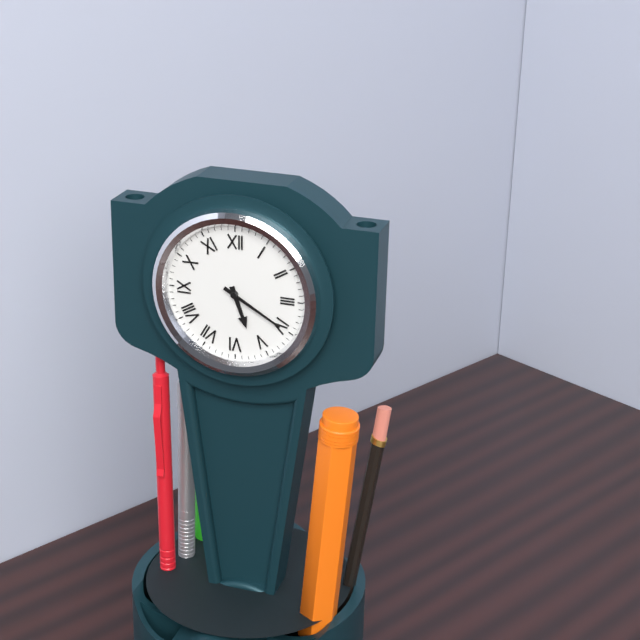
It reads 5,20
